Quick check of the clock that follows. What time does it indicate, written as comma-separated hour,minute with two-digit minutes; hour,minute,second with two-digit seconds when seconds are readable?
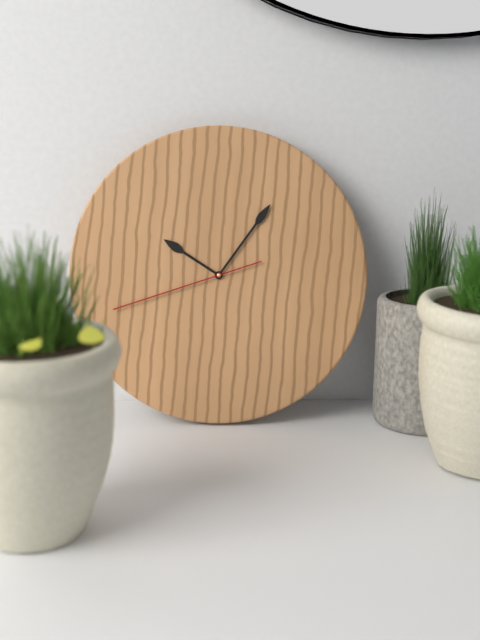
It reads 10,06,42
